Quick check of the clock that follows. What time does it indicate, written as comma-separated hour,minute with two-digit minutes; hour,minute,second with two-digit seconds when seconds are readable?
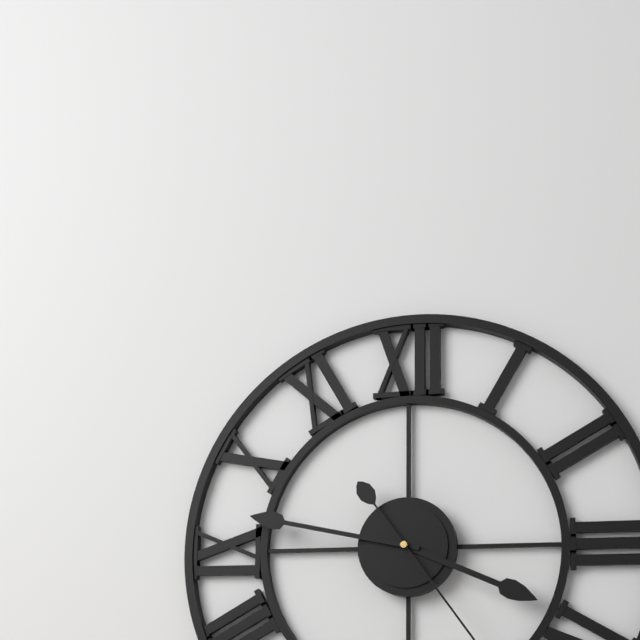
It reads 3,47
